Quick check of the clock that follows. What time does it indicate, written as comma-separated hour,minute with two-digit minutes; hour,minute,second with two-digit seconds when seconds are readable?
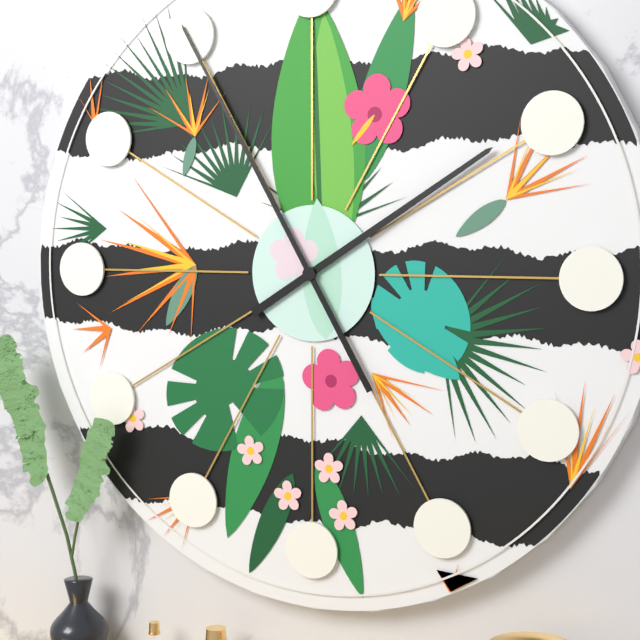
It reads 1,55
